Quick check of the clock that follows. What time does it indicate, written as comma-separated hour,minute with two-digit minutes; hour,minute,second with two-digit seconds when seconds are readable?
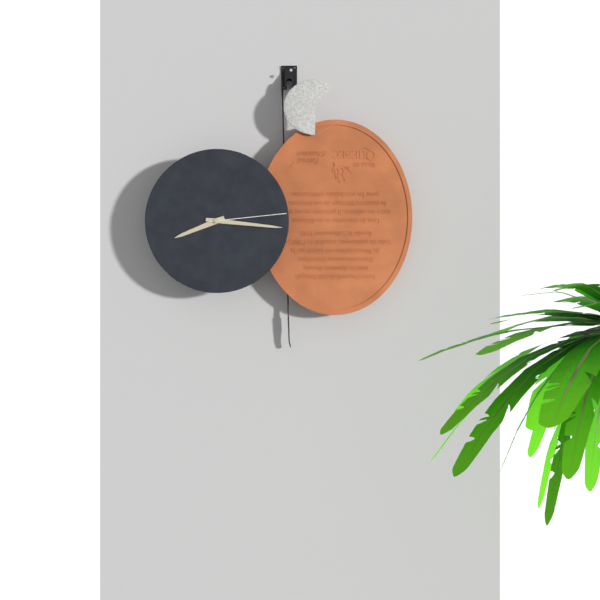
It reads 8,16,14
